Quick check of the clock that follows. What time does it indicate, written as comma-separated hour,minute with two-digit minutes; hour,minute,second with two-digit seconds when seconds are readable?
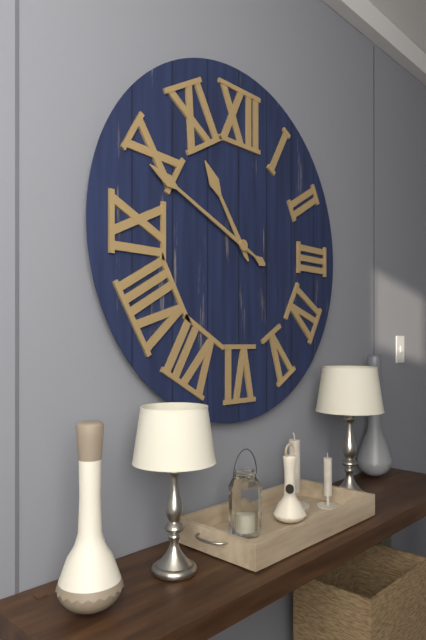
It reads 10,49
